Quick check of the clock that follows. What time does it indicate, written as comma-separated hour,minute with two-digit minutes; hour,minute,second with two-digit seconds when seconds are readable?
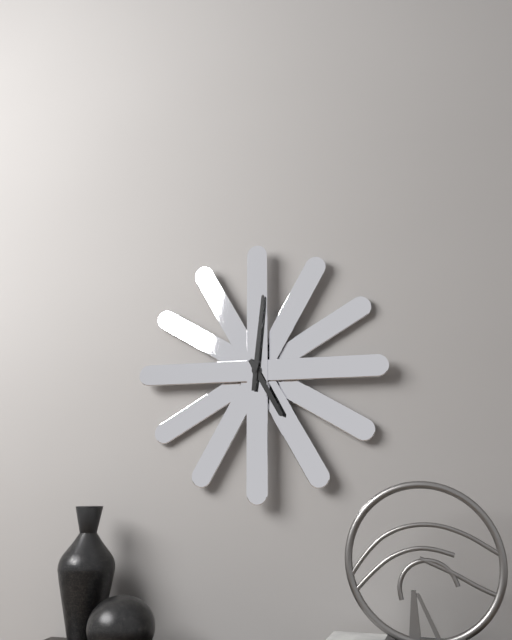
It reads 5,01
